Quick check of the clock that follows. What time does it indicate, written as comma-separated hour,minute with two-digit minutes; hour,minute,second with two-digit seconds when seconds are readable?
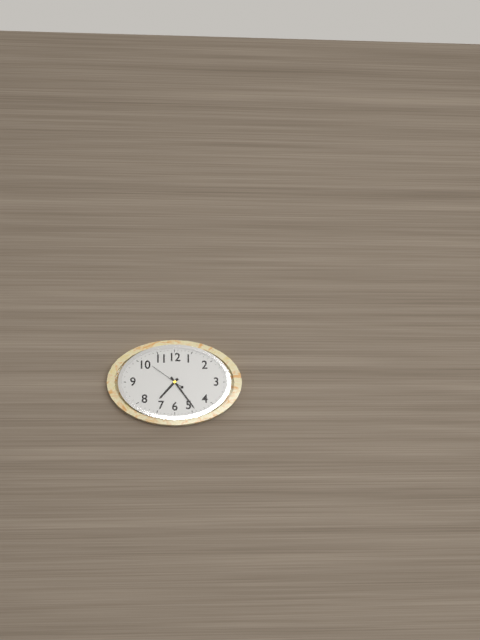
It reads 7,24
